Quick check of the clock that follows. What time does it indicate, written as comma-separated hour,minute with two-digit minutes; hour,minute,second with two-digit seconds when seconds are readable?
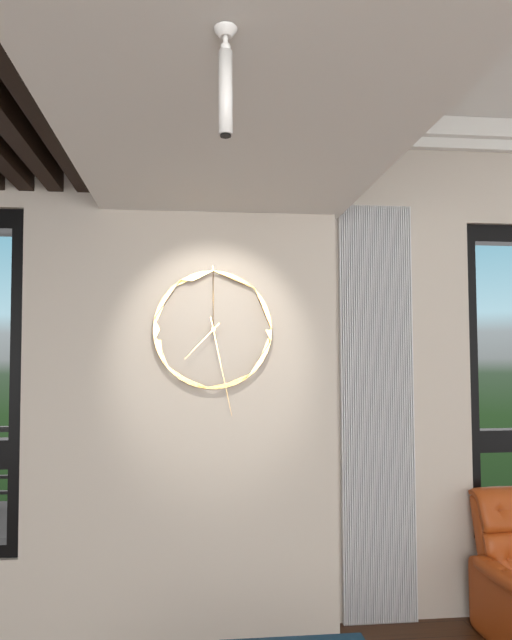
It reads 7,28
